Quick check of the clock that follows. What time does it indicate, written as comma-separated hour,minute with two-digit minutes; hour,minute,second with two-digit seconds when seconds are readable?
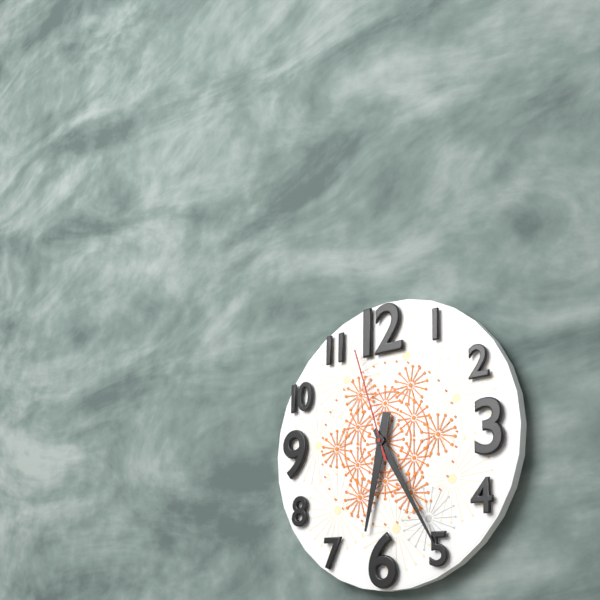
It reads 6,25,57
